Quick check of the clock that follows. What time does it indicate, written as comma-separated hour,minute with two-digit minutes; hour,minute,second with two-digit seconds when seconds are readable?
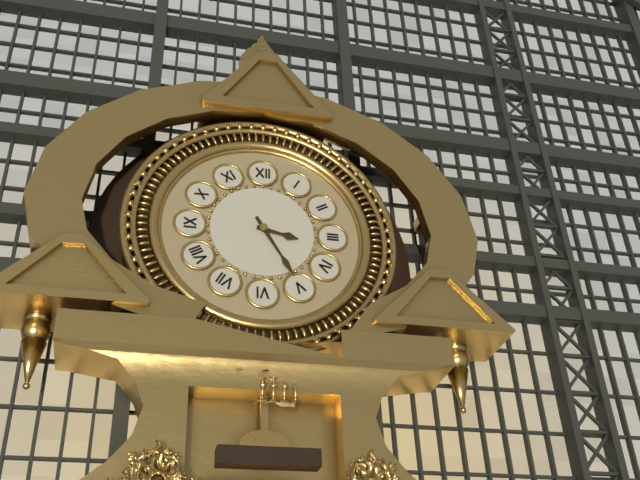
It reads 3,25
